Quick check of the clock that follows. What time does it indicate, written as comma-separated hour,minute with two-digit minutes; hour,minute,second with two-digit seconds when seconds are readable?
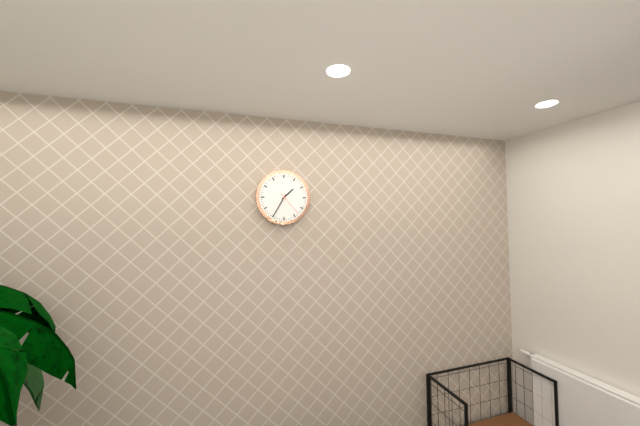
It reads 1,35
